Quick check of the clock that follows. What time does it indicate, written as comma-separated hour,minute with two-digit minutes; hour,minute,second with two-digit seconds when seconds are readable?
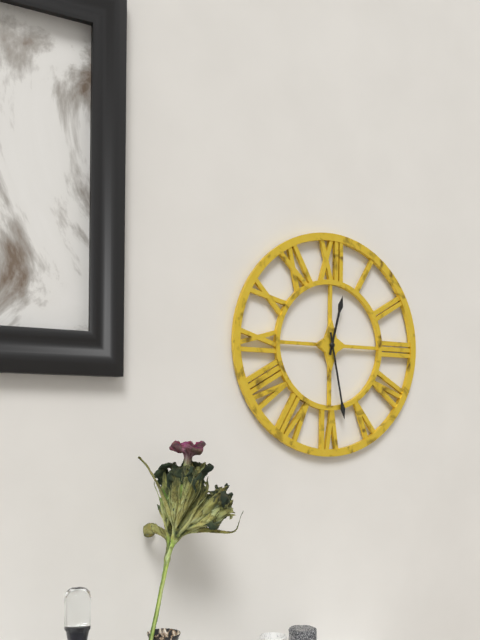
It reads 12,28
